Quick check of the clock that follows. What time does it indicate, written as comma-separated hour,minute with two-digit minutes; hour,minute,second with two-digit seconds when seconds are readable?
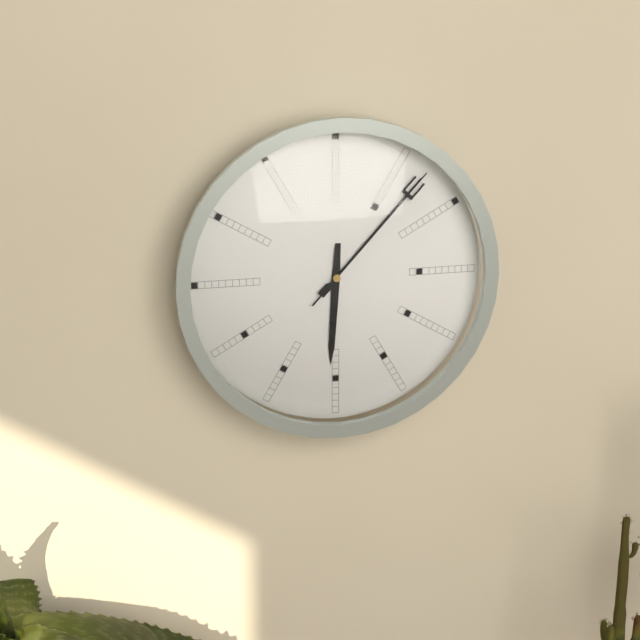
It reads 6,07,07
